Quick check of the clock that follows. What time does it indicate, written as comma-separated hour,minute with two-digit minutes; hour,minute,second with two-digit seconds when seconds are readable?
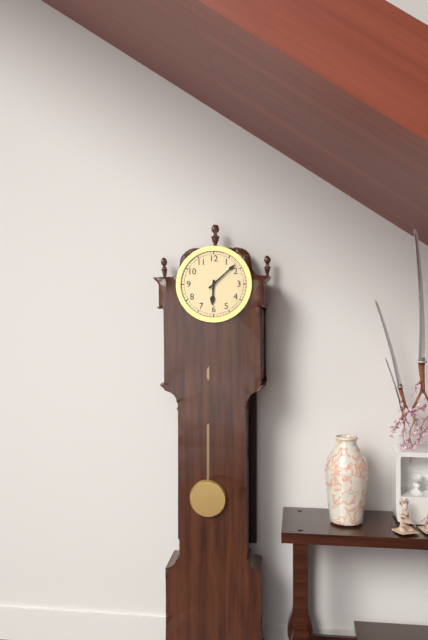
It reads 6,08
